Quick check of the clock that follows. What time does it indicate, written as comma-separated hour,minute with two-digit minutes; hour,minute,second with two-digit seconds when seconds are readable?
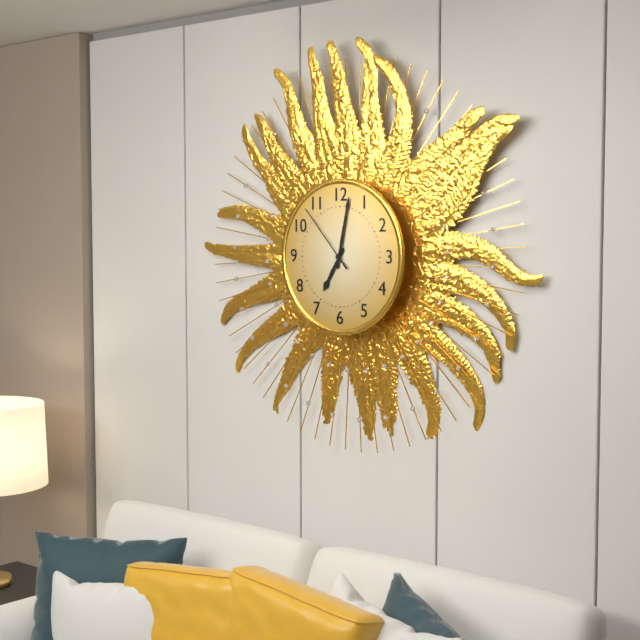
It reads 7,02,53
